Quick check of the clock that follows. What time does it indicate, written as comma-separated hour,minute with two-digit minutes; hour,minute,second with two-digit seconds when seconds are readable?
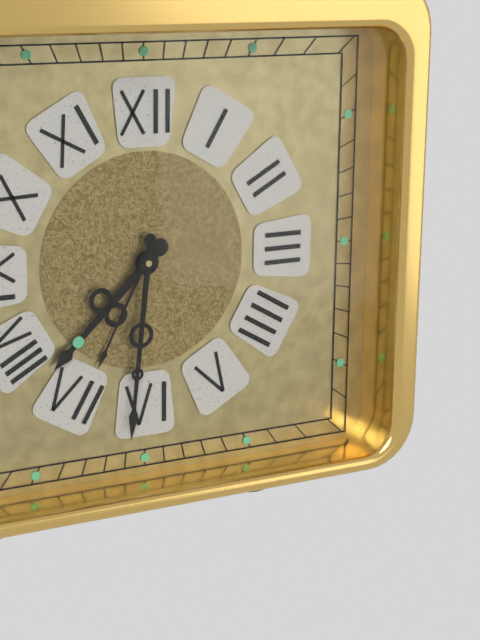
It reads 7,31
